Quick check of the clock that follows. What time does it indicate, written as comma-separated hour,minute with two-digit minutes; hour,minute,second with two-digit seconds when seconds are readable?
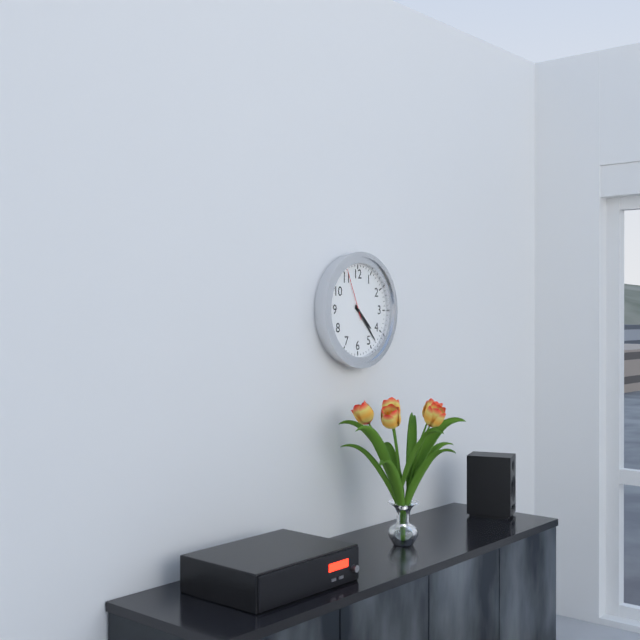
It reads 4,23,56
